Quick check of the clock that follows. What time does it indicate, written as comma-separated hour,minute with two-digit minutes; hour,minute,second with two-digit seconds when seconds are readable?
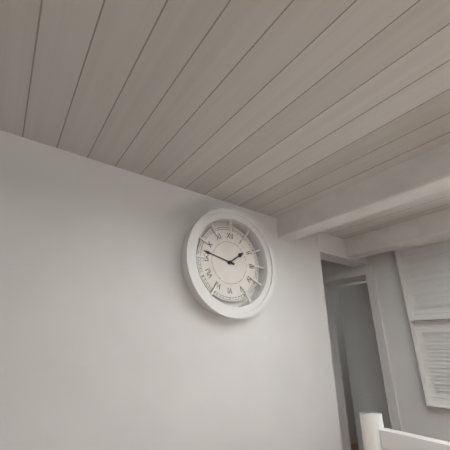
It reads 1,47
